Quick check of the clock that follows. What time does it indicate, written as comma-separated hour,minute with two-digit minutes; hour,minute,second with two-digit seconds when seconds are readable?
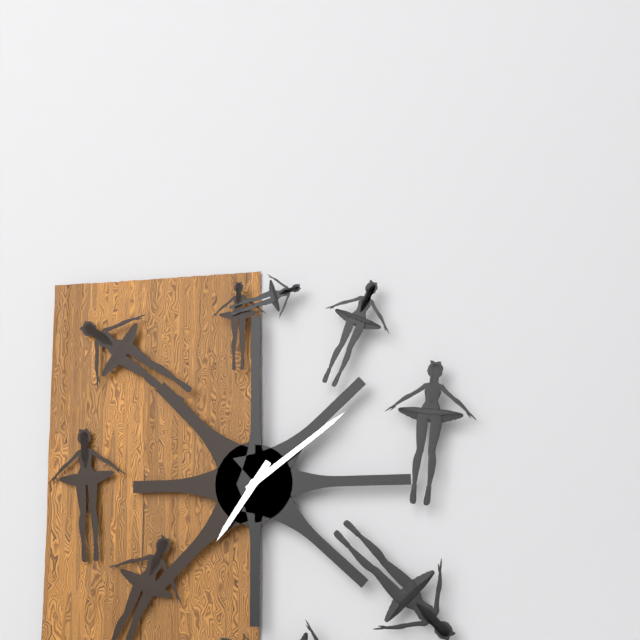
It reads 7,09
